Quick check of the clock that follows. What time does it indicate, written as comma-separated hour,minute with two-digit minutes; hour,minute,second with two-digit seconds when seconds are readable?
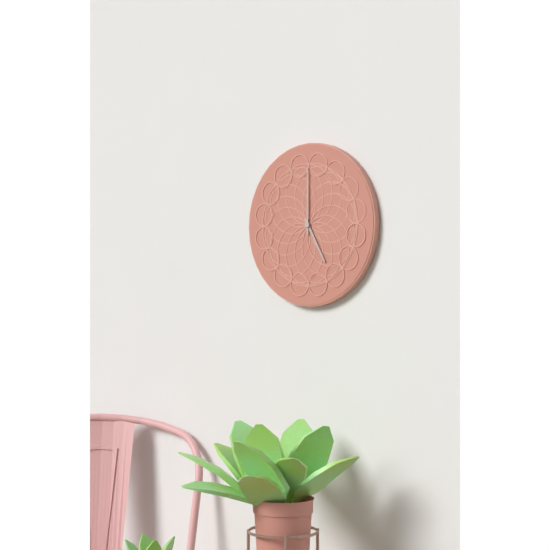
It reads 5,00
